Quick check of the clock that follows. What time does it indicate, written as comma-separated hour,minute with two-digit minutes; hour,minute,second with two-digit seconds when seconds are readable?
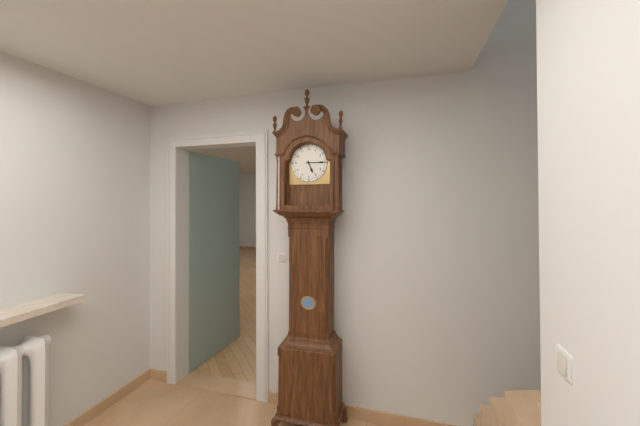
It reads 5,15
